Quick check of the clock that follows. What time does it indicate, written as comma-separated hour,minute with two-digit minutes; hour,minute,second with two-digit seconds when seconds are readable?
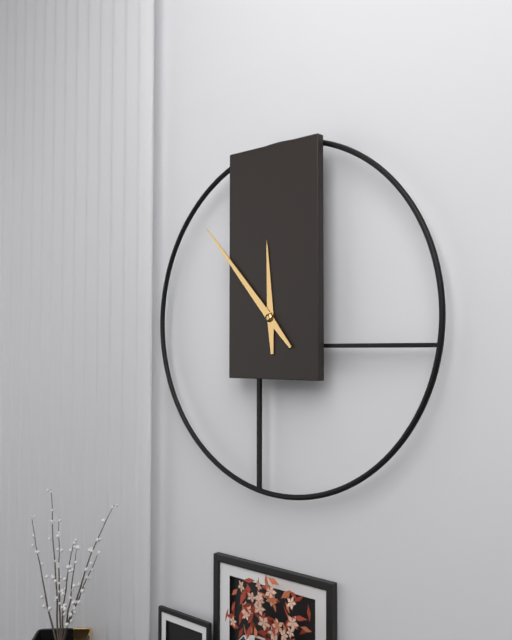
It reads 11,53
